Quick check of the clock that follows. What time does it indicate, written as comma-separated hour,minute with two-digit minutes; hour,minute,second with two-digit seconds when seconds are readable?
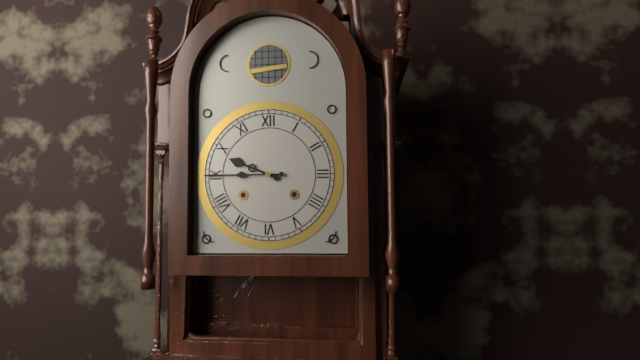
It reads 9,45
